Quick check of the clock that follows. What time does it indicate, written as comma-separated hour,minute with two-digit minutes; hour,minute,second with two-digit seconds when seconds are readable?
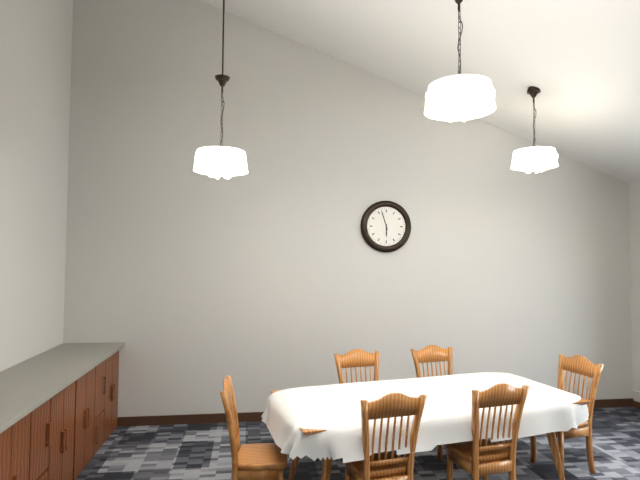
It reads 5,57
